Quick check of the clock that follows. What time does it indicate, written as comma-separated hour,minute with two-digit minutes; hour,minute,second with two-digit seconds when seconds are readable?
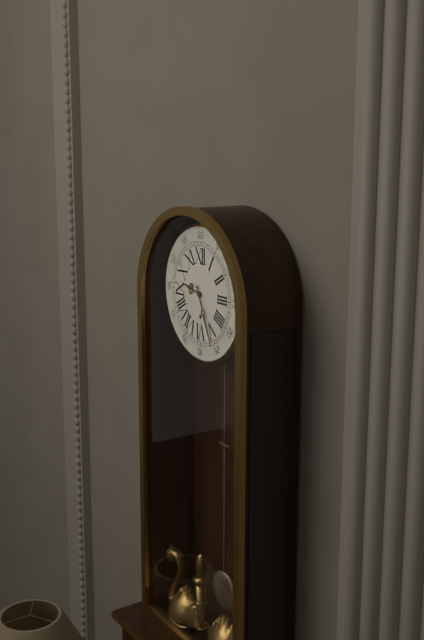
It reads 9,26
